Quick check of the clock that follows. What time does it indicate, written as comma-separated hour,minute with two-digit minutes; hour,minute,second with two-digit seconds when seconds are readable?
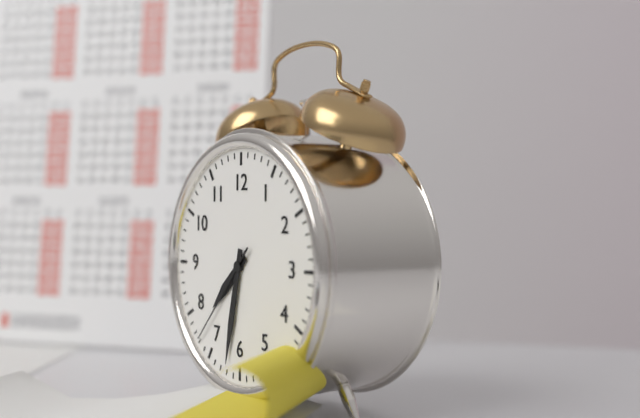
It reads 7,32,37
